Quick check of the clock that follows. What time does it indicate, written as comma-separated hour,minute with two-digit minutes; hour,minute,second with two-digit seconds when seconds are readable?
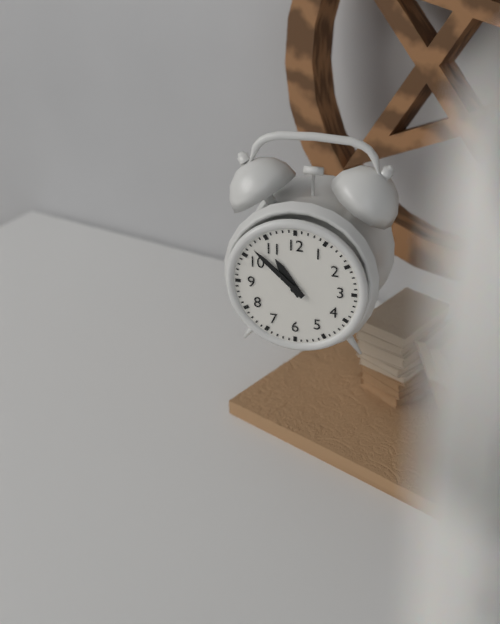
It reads 10,52
